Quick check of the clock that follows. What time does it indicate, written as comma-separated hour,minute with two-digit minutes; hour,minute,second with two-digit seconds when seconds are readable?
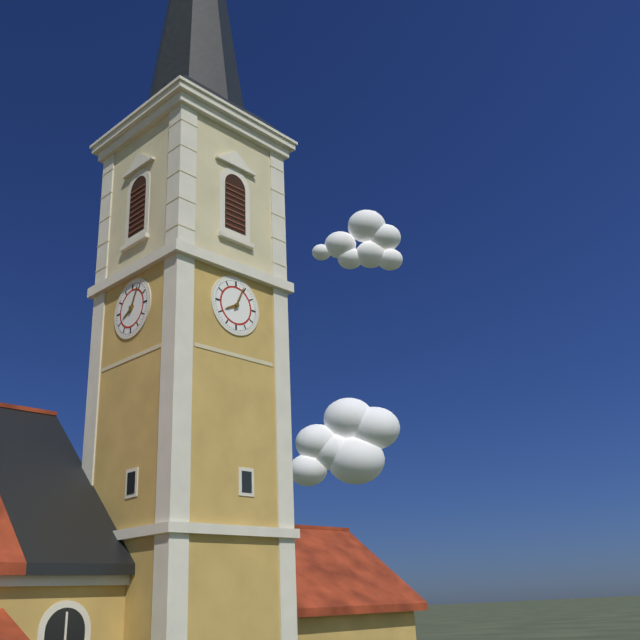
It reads 8,04
